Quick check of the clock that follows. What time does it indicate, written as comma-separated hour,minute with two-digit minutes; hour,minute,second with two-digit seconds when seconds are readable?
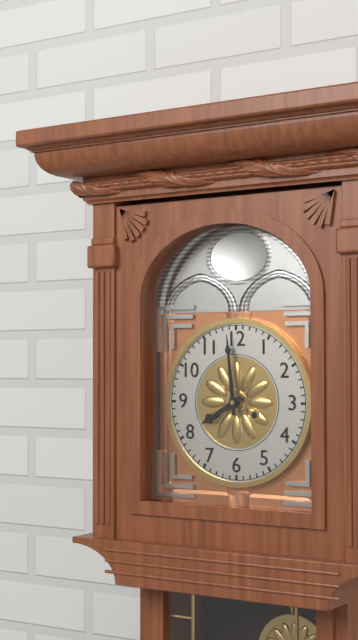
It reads 7,59
